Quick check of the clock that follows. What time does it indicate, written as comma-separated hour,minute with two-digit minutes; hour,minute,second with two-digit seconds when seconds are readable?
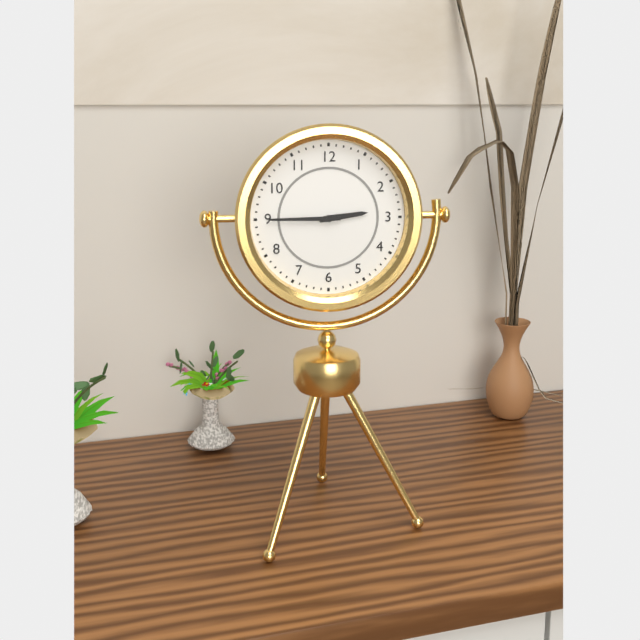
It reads 2,45
